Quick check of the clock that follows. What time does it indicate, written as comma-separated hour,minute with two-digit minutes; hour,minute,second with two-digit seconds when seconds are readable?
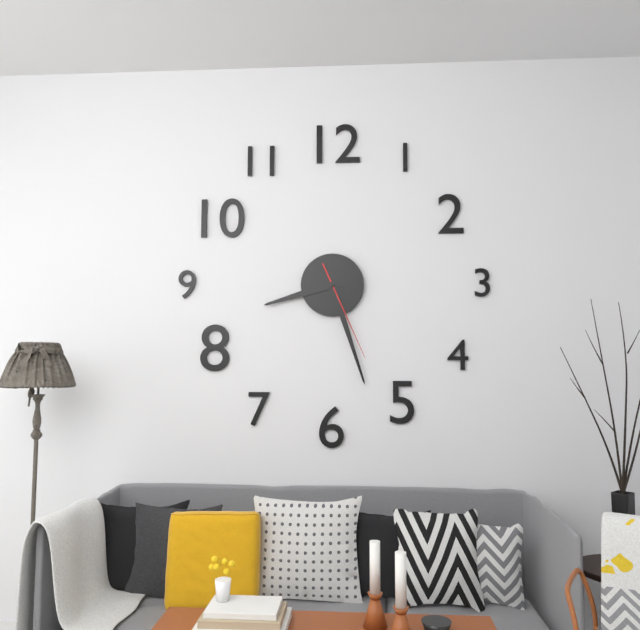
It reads 8,27,26
